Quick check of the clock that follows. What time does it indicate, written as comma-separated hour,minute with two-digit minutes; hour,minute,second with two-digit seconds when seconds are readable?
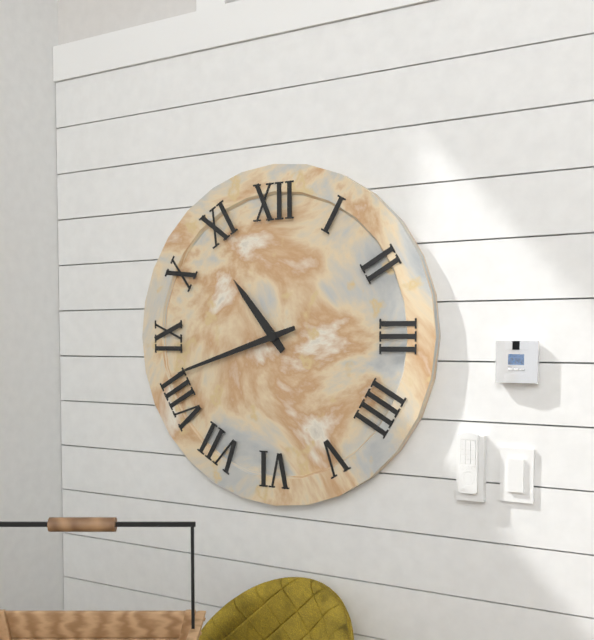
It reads 10,42
